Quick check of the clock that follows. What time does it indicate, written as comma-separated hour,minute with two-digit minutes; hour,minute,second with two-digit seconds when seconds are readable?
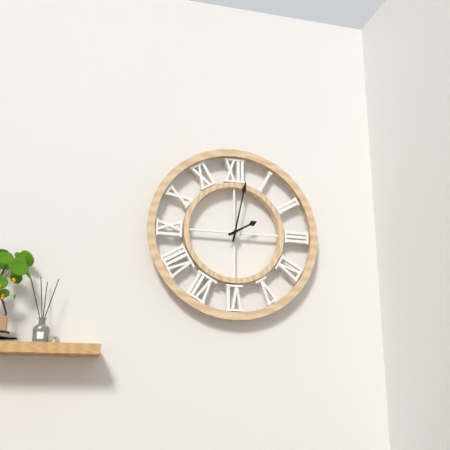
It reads 2,02
